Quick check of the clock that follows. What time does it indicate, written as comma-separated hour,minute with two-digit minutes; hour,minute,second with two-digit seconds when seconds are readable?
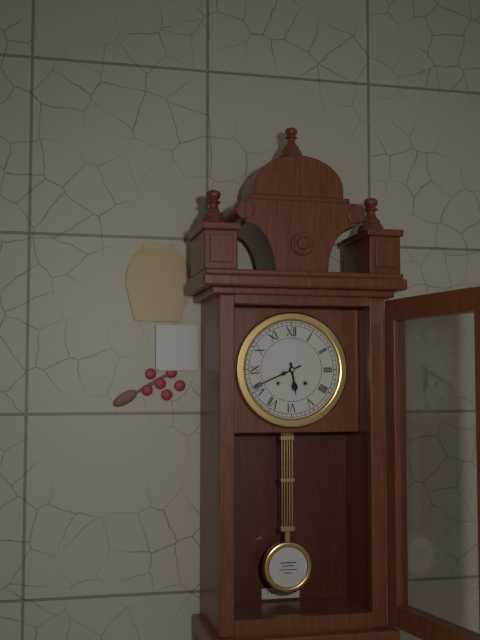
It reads 5,41
